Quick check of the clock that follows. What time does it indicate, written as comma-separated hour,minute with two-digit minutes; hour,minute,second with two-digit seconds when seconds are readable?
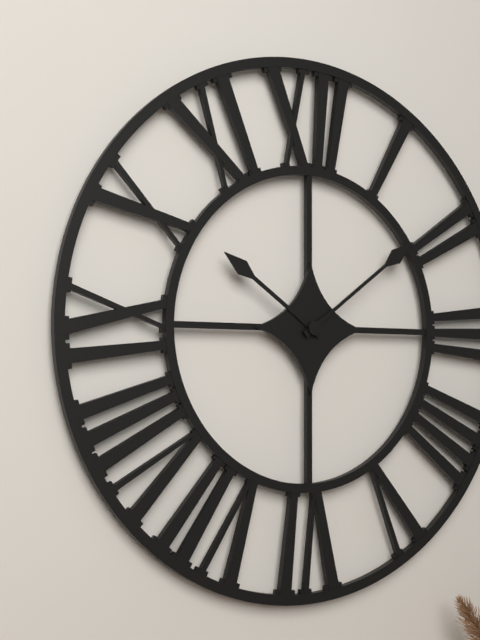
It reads 10,09
